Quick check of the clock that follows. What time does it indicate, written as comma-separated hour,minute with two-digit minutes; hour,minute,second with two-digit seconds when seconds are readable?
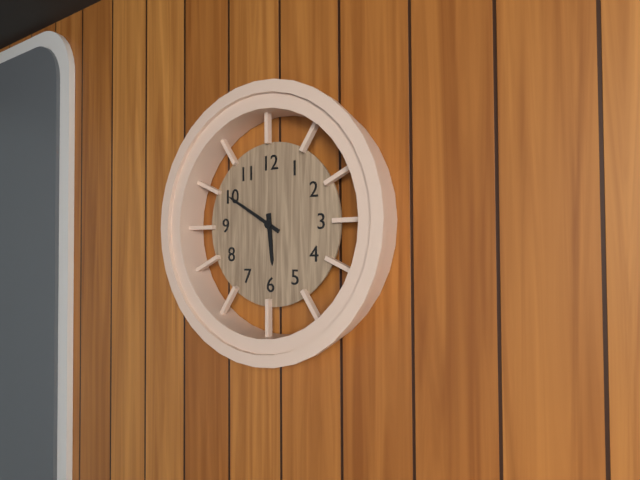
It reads 5,50
